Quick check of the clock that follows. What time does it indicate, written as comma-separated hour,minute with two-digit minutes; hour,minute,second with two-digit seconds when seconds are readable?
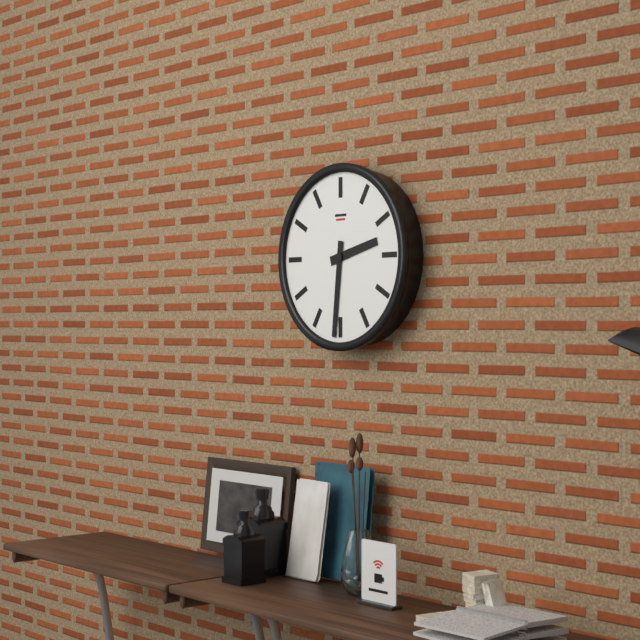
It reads 2,31
